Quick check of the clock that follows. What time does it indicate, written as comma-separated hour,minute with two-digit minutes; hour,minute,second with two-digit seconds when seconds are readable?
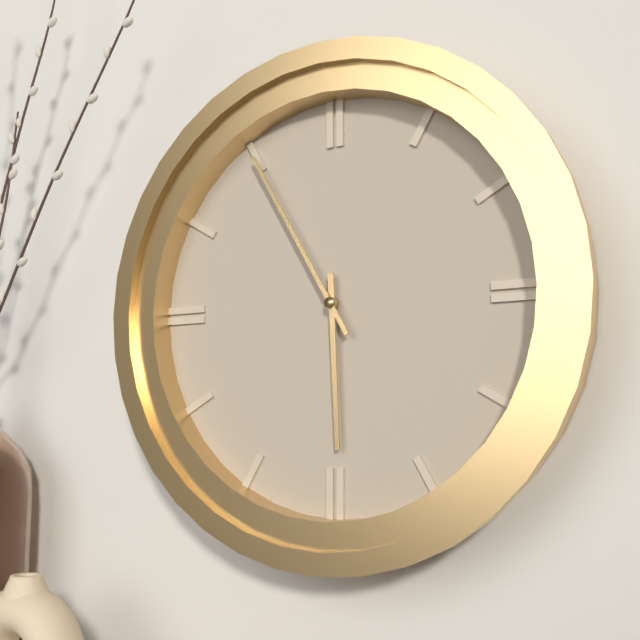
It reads 5,55
